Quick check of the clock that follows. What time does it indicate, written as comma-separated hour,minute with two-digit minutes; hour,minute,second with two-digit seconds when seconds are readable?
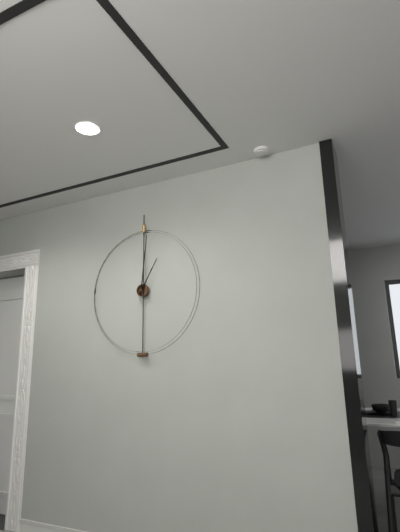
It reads 1,01
